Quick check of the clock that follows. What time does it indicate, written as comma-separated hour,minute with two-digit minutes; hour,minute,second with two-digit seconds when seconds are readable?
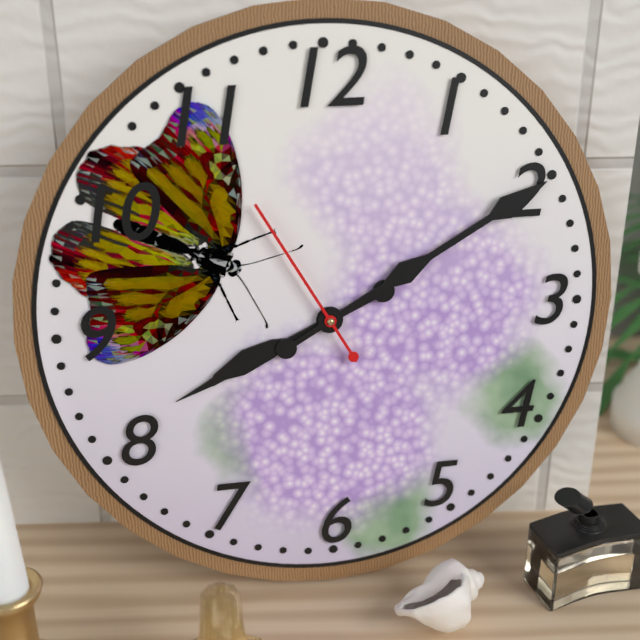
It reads 8,10,55
